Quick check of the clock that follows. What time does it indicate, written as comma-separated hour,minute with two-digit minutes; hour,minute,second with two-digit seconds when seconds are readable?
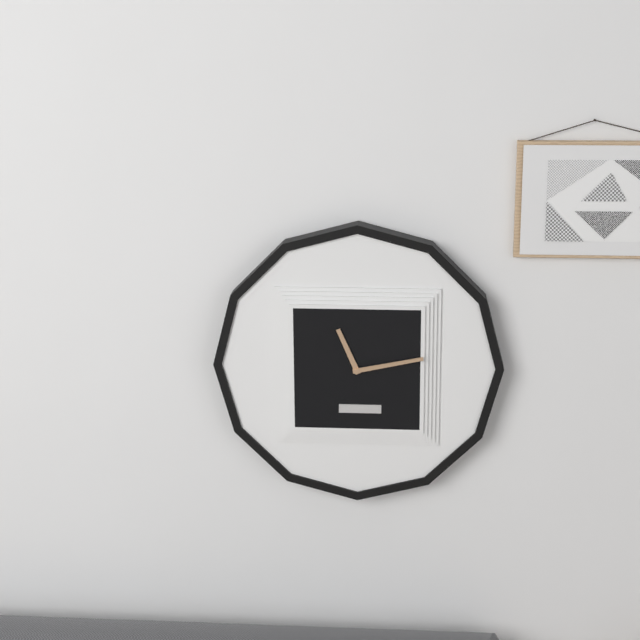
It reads 11,13
